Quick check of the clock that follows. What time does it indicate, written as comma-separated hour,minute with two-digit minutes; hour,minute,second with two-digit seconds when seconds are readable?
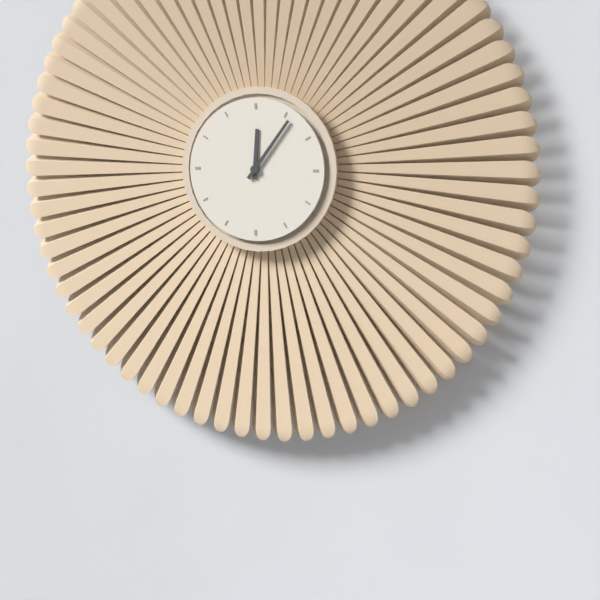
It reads 12,06
